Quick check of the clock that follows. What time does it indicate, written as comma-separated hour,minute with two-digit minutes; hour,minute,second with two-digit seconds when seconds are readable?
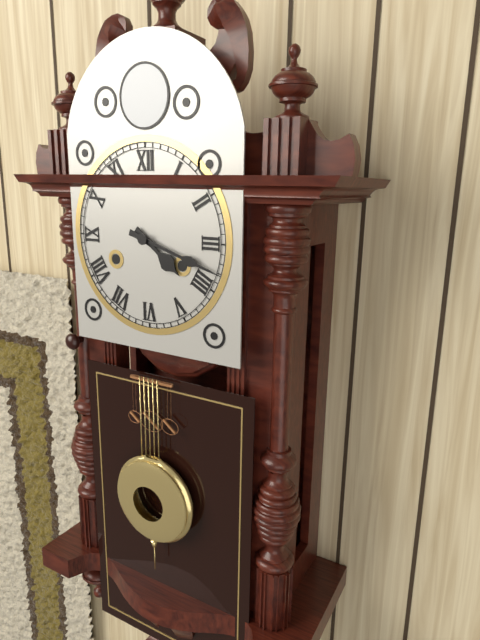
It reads 4,18
